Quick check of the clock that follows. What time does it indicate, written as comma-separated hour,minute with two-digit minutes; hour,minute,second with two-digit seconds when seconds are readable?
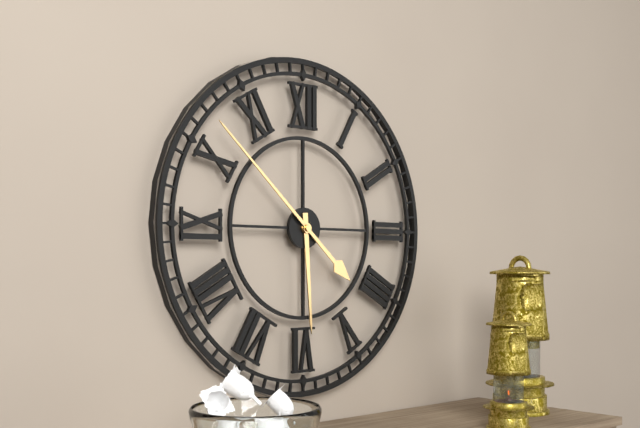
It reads 5,52
